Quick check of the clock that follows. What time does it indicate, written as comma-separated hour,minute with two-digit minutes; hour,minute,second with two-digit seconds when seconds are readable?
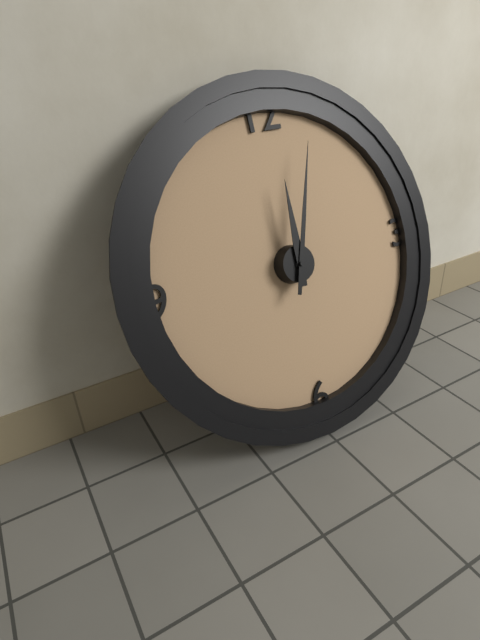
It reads 12,03
